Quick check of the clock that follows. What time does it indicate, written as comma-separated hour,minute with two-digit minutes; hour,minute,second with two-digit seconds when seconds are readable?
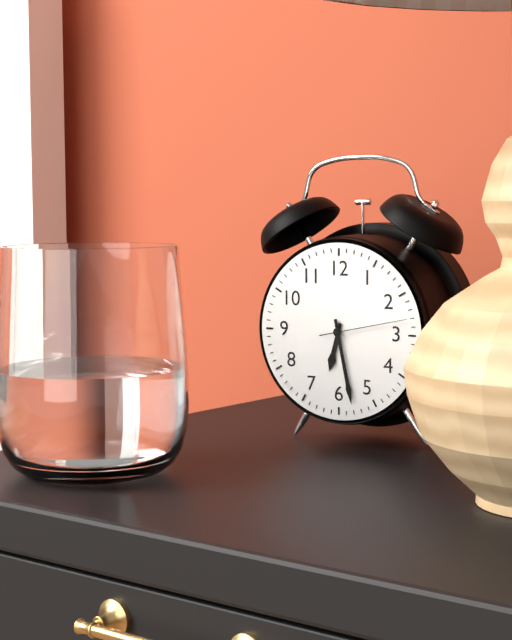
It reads 6,28,13
